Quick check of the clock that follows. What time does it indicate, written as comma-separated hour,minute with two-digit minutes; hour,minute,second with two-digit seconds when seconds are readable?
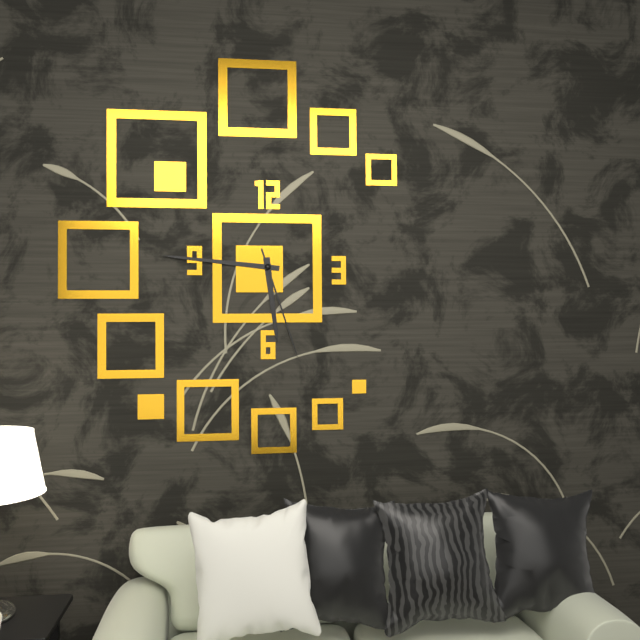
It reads 5,46,27
